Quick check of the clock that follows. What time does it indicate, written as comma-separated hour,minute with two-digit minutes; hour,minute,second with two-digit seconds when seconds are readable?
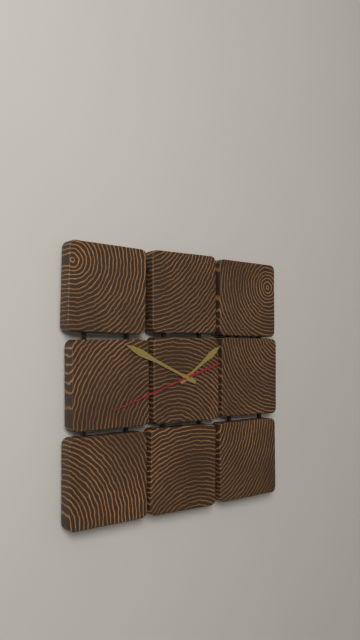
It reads 1,49,42
